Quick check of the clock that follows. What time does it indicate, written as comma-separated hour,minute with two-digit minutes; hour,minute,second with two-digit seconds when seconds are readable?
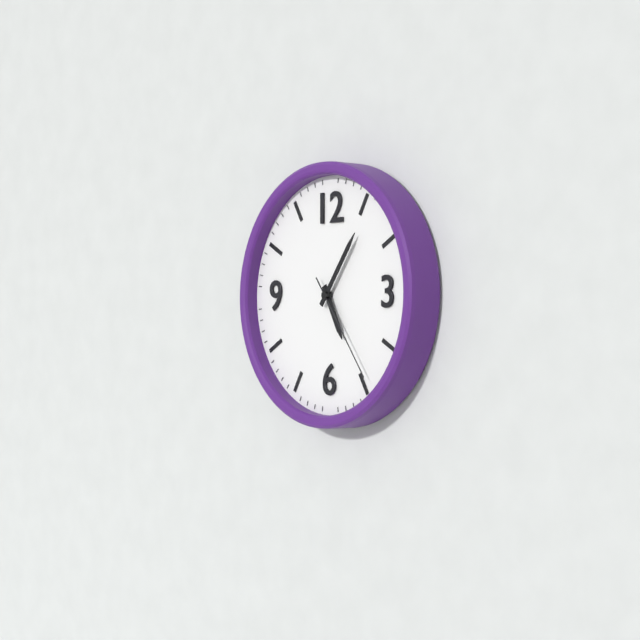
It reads 5,06,24
